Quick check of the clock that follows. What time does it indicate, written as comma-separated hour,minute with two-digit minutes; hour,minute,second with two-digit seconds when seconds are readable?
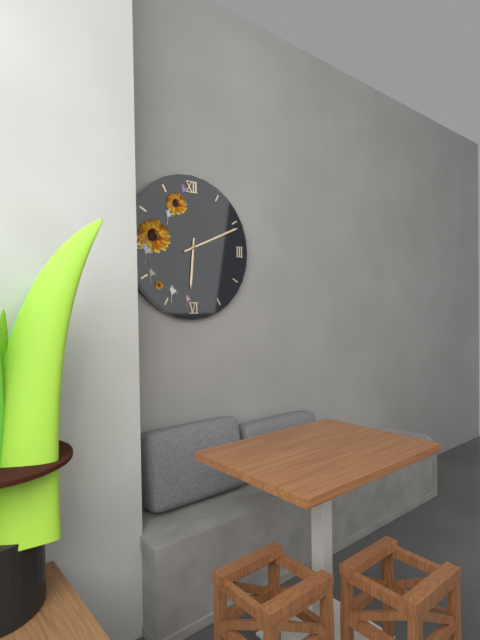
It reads 6,11
